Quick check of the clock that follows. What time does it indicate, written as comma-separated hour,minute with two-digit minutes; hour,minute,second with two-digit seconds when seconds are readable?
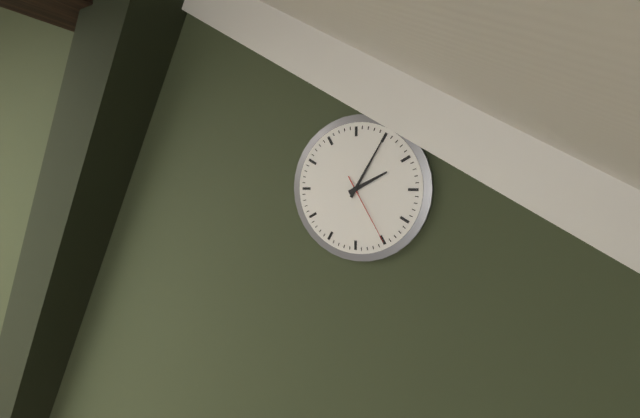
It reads 2,05,25
